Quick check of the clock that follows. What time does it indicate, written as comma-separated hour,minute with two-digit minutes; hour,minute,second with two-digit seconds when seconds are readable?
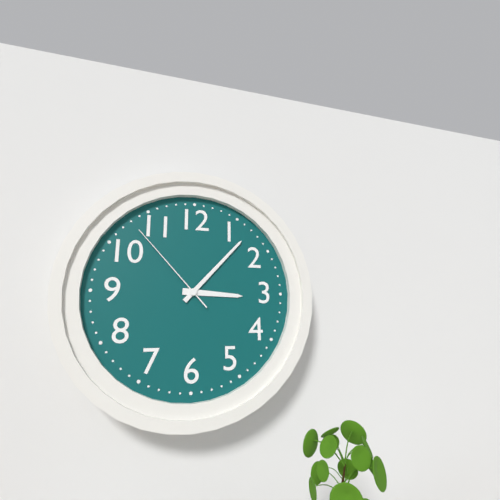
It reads 3,07,53
